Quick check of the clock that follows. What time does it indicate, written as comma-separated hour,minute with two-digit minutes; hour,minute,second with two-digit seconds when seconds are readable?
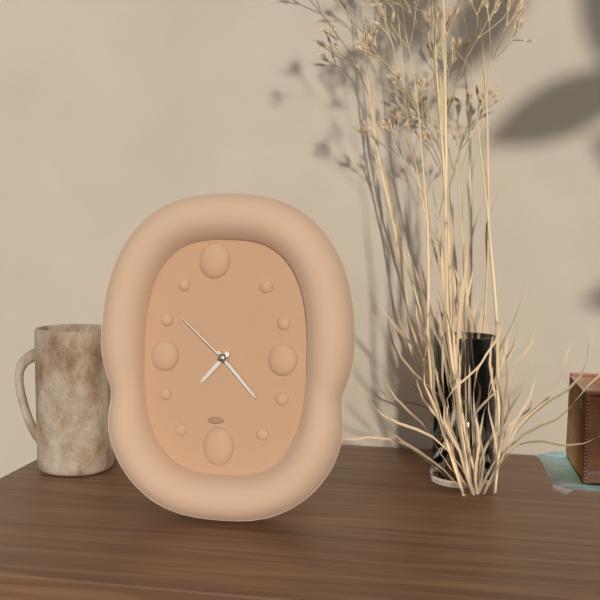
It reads 7,23,52
